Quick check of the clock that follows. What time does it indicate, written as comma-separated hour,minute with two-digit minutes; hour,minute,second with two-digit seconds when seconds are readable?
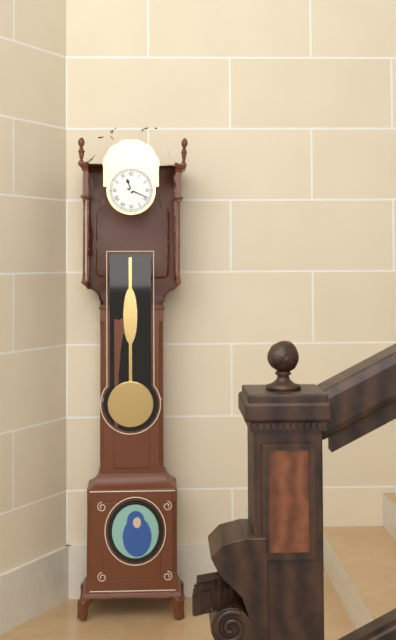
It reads 11,19
